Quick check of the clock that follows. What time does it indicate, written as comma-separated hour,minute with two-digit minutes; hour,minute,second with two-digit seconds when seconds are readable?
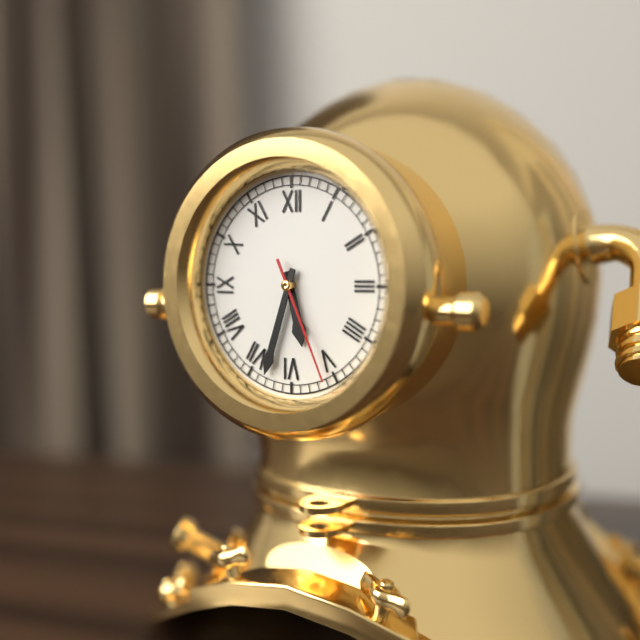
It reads 5,33,26
